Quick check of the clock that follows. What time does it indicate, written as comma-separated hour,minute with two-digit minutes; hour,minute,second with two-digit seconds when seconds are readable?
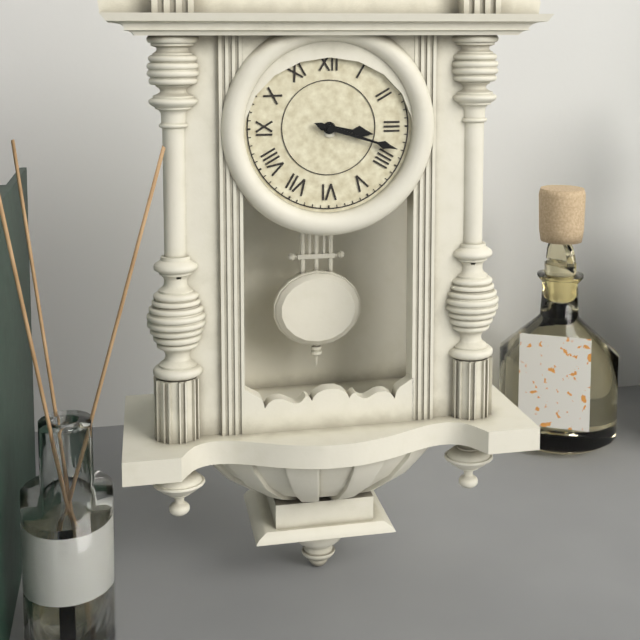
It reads 3,18
